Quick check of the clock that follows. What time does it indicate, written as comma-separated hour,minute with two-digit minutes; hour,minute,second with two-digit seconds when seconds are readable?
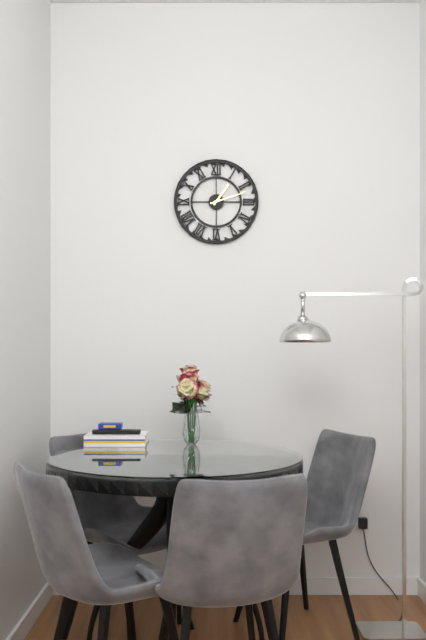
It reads 1,12
